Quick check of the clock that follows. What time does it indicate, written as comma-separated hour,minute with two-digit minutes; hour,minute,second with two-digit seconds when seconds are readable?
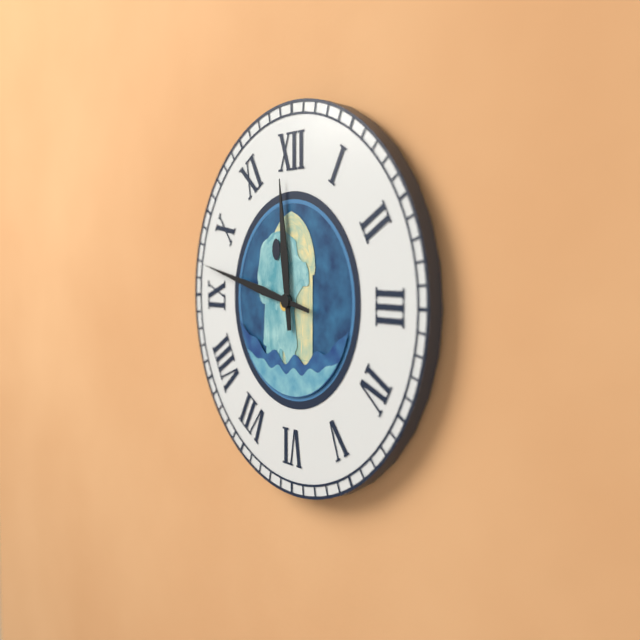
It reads 11,47
